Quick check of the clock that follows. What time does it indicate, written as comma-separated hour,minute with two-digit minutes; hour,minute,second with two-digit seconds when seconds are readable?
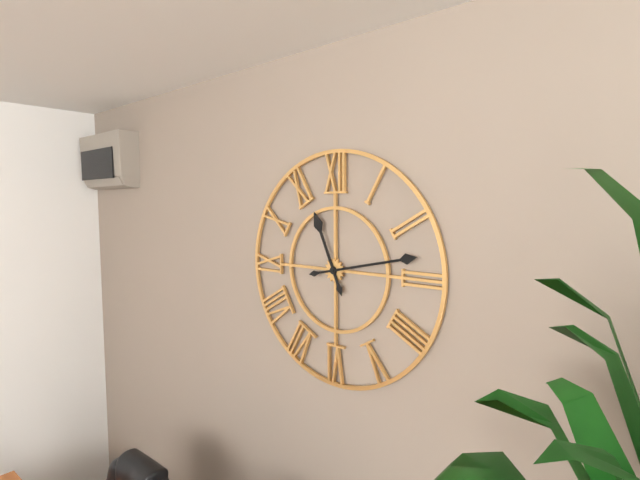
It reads 11,13
